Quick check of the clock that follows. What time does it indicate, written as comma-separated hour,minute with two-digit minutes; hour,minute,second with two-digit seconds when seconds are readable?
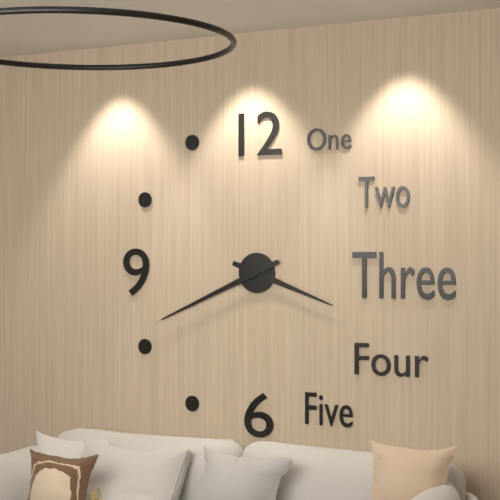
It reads 3,41
